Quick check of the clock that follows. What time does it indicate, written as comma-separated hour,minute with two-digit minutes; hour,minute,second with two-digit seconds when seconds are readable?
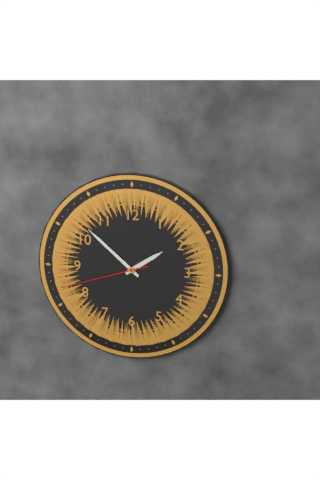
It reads 1,52,42
